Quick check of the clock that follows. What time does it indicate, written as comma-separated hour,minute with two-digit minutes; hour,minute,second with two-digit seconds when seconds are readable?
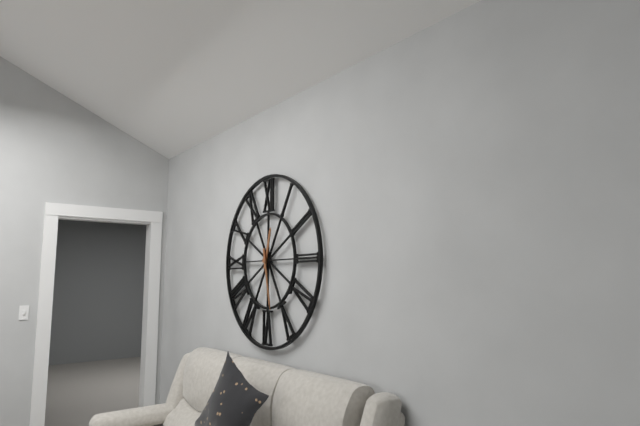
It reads 12,28
